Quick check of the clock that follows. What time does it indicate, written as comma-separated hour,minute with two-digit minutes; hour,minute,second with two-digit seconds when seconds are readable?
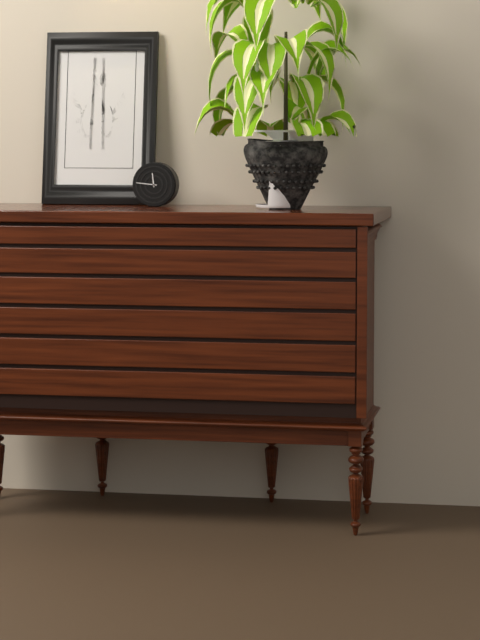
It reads 11,46
